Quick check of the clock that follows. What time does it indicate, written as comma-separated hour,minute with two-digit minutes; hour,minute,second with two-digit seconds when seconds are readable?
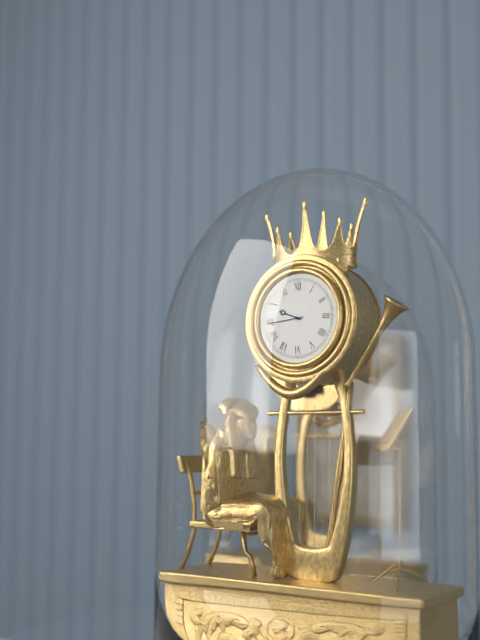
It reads 9,44
